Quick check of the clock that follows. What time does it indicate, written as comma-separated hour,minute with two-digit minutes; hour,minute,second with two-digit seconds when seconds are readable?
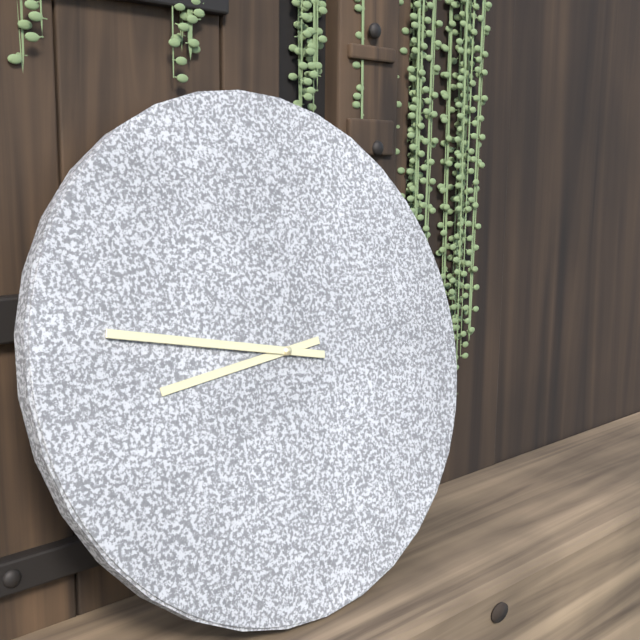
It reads 8,47
